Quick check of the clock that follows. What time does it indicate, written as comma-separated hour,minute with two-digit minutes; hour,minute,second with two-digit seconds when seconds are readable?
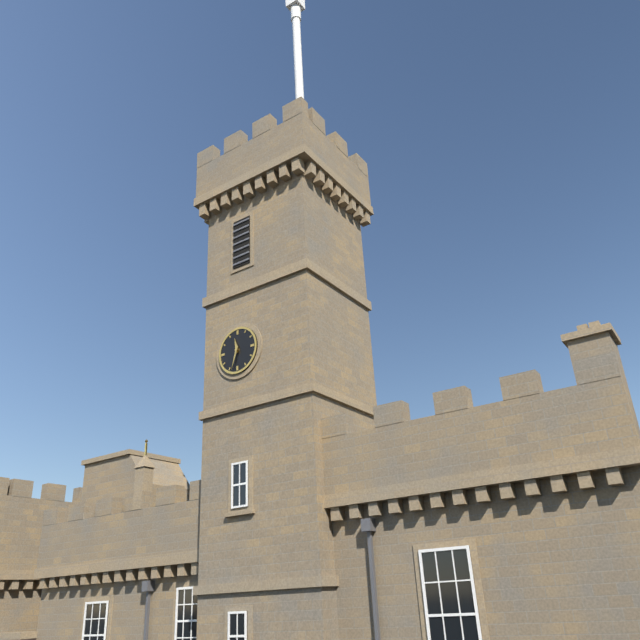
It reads 11,33
